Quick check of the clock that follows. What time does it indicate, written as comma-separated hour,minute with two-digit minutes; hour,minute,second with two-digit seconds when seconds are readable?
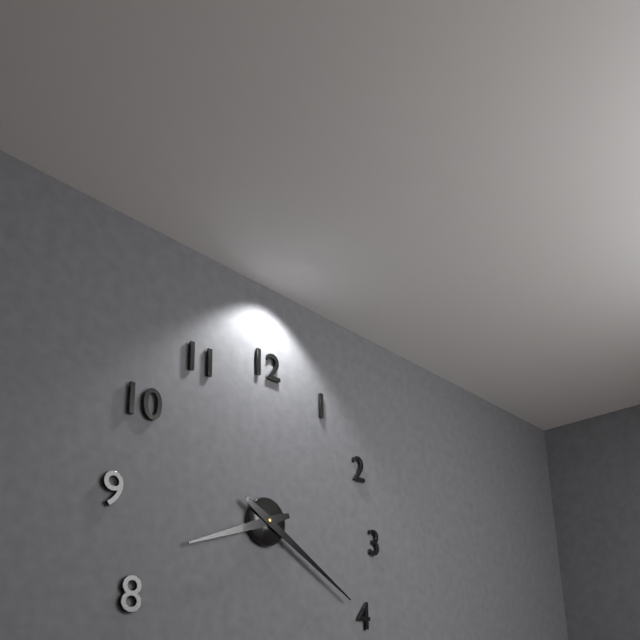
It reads 8,20
